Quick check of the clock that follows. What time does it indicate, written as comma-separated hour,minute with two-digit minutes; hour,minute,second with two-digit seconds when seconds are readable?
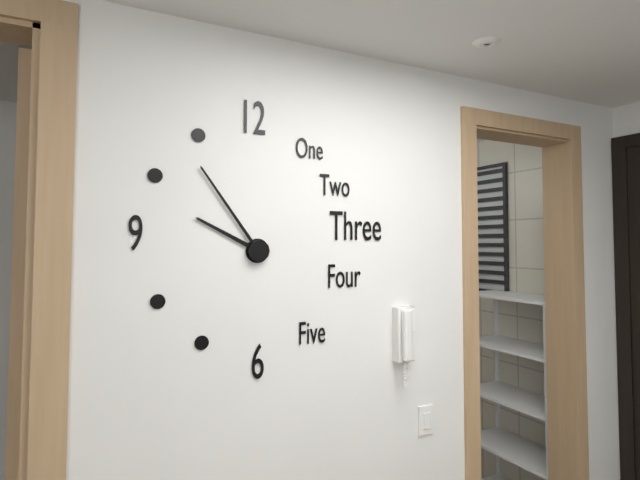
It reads 9,54
